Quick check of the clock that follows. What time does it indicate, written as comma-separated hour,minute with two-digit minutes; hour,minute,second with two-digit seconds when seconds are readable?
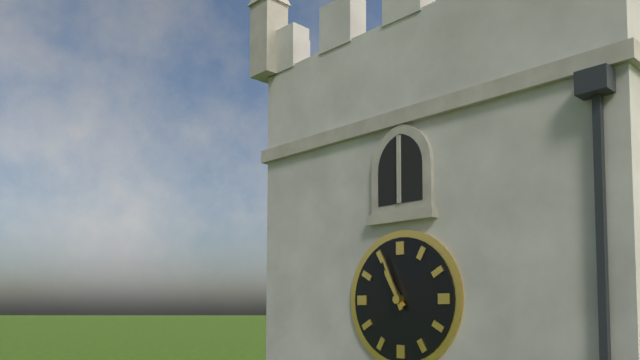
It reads 10,56
